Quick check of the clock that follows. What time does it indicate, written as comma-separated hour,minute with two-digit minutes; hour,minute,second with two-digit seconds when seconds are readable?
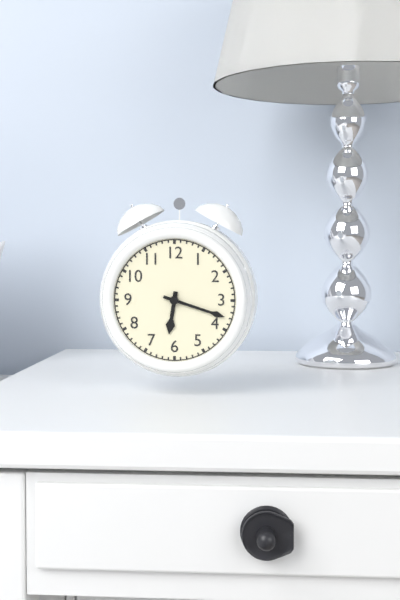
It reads 6,18
